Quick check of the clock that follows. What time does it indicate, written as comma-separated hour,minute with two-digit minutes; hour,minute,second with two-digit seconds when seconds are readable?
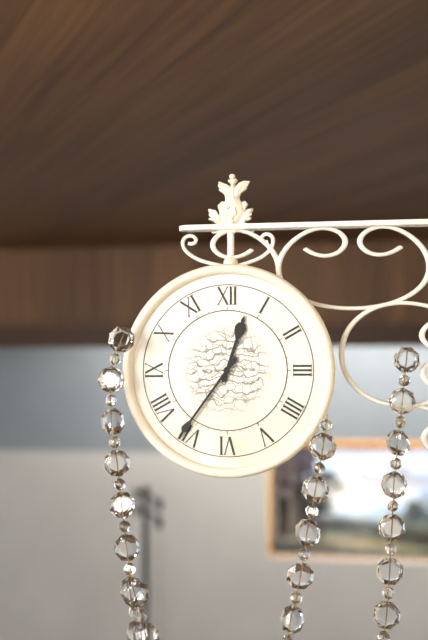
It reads 12,36
